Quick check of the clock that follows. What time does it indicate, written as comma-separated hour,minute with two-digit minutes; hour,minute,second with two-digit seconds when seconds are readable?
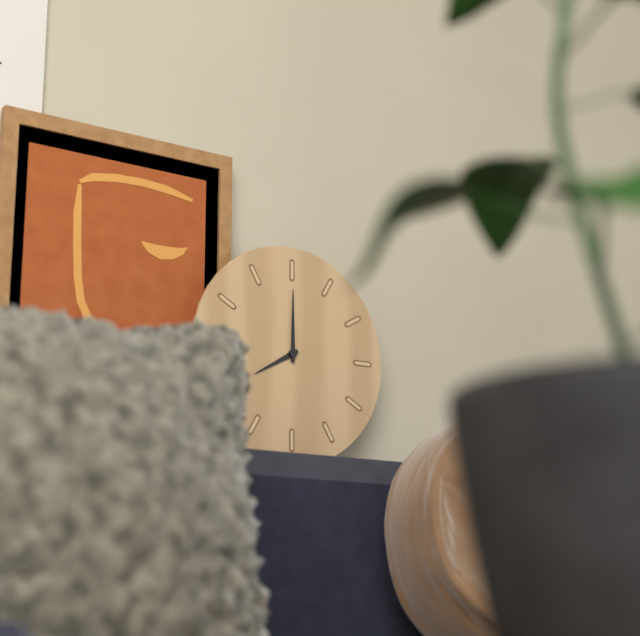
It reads 8,00
